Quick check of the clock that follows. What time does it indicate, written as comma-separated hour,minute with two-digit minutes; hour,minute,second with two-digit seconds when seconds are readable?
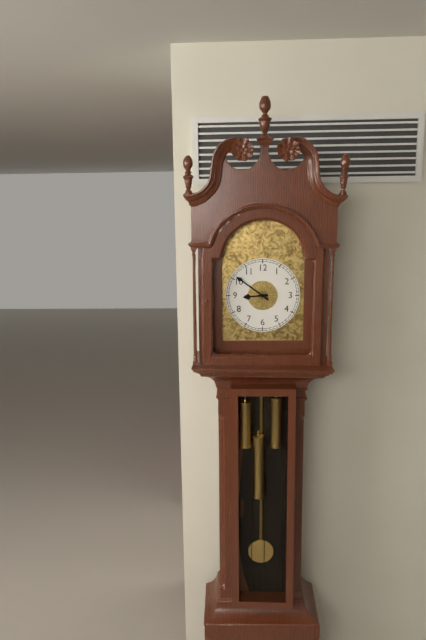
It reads 8,51
